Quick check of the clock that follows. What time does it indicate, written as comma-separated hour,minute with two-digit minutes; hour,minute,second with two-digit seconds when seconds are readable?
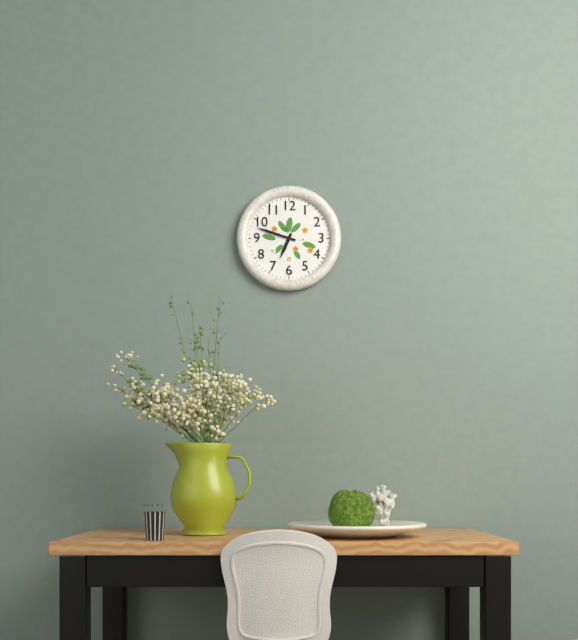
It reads 6,48
